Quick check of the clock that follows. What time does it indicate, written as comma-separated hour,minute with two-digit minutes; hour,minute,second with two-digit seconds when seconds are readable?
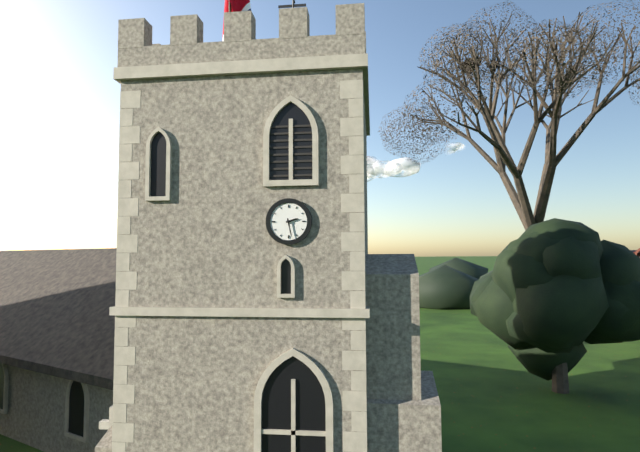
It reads 2,28
